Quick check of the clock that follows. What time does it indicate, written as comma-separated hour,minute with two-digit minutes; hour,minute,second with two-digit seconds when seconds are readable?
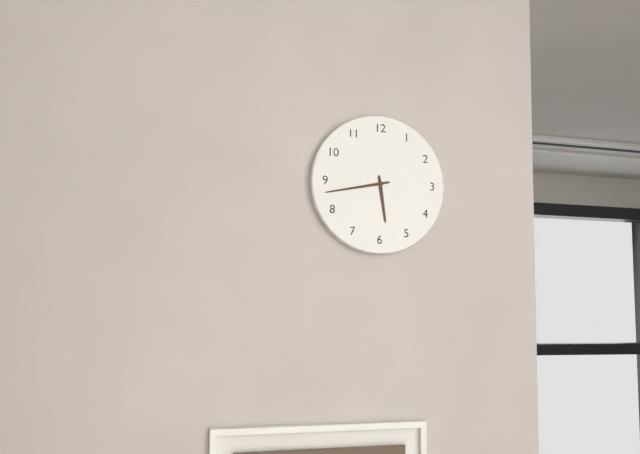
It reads 5,43
